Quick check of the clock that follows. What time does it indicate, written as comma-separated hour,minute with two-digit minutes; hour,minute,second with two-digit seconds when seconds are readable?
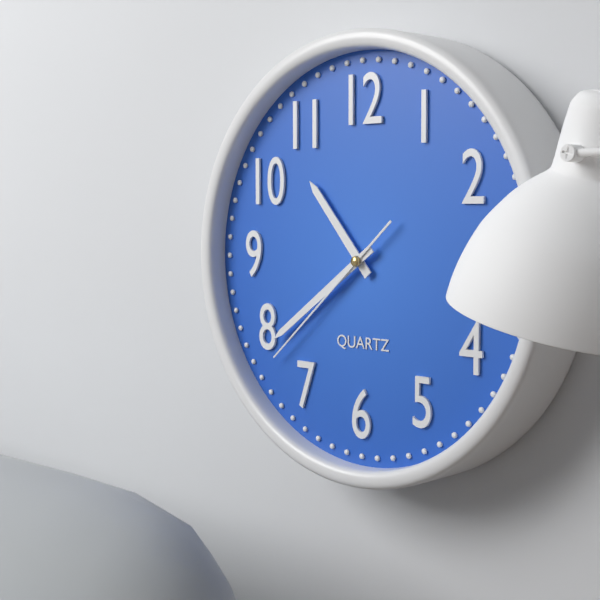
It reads 10,39,38
